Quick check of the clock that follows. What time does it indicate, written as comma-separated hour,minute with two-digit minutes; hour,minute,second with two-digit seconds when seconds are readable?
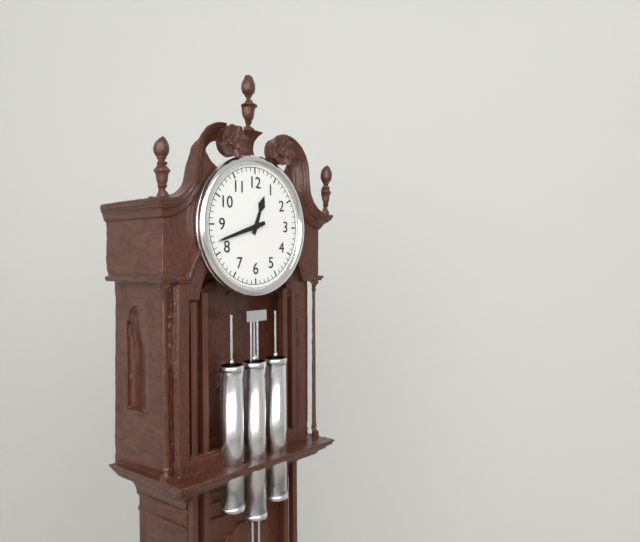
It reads 12,42
